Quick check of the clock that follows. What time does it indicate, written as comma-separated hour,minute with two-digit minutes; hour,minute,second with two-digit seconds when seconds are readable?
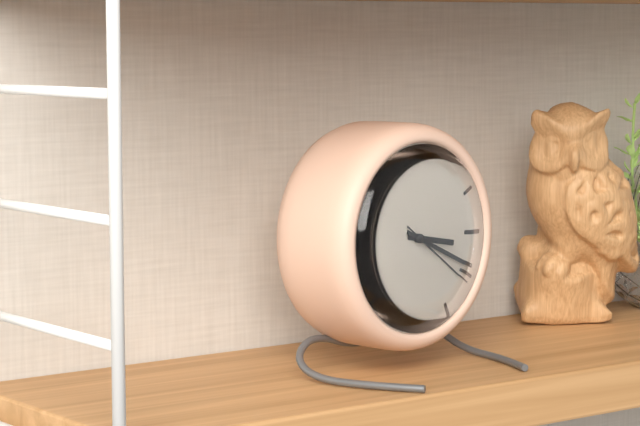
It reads 3,19,21
